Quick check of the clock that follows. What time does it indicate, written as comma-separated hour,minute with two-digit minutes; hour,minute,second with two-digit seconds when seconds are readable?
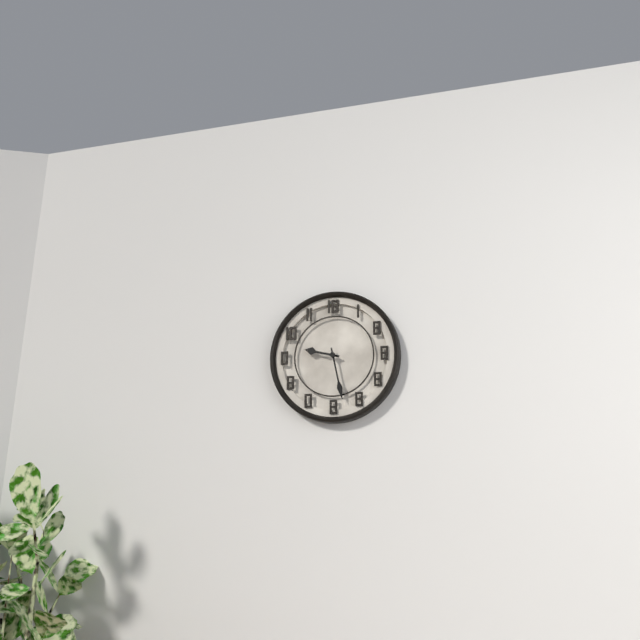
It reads 9,28
